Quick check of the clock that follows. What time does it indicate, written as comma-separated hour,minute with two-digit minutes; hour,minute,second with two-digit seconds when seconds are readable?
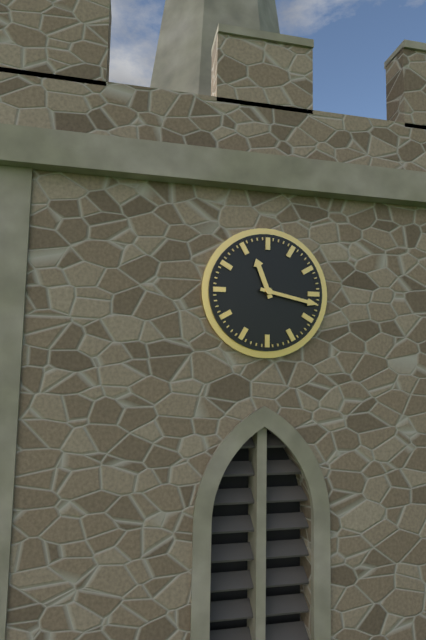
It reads 11,17
